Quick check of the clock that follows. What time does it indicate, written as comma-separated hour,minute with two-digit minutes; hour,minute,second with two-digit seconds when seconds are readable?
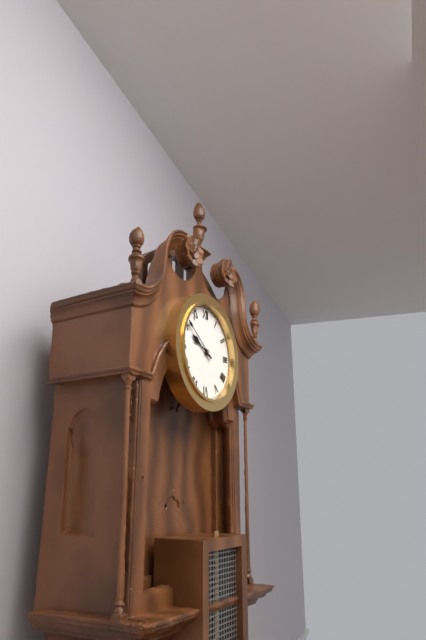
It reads 9,51
